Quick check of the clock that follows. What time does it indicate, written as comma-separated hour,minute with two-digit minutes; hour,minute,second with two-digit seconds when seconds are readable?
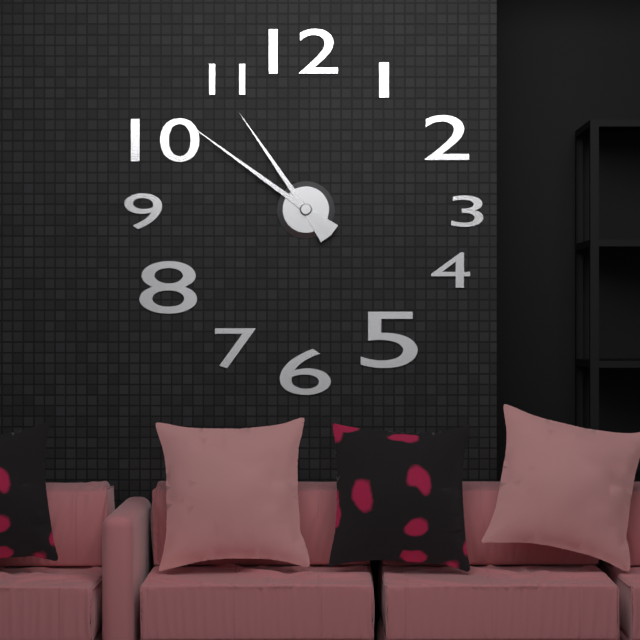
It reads 10,51
